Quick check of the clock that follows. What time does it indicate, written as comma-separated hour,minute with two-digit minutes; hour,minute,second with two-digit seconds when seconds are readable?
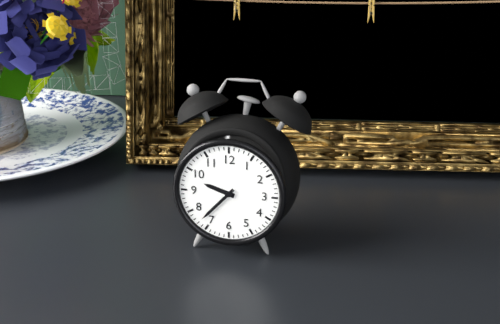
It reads 9,37
